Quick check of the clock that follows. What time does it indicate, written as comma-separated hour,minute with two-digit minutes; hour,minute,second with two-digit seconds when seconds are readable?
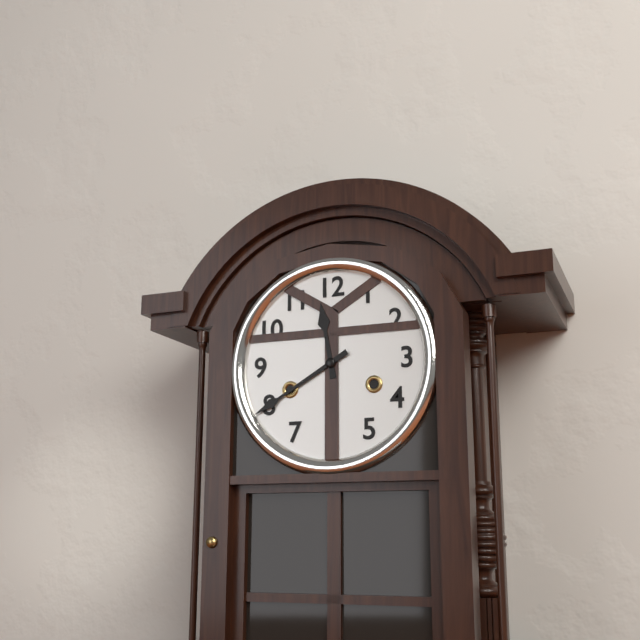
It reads 11,40
